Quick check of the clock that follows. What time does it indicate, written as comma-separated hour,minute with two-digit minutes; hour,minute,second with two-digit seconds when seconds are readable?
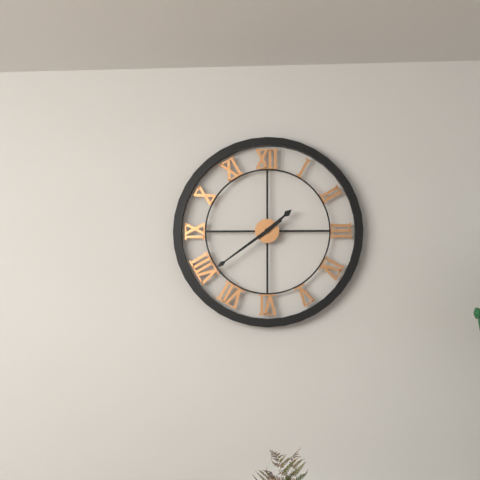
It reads 1,39
